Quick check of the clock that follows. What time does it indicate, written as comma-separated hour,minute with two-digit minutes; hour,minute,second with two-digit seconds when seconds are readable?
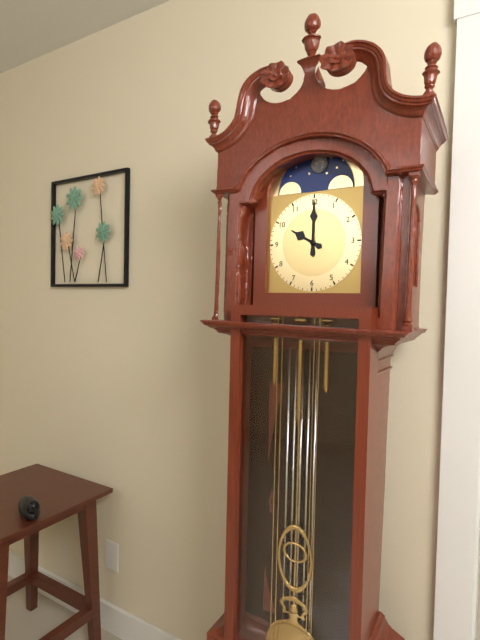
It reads 10,00
